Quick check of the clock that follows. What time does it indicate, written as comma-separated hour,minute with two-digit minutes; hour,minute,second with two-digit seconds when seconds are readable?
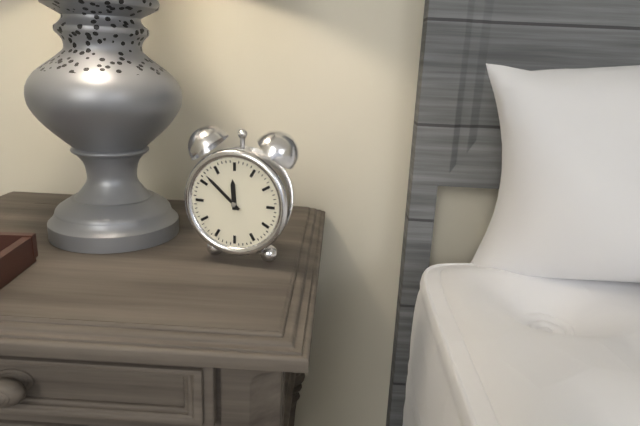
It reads 11,52
